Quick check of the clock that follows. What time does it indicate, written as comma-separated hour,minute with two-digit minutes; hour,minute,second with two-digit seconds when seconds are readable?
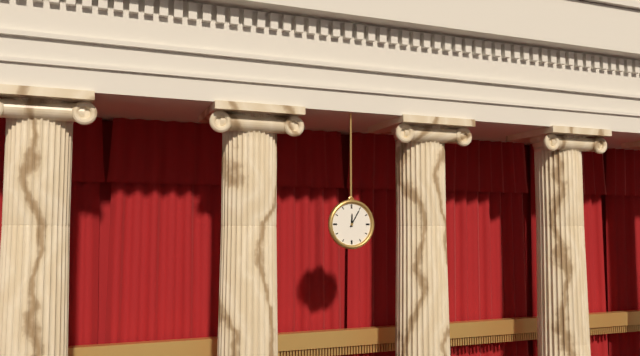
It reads 12,05
